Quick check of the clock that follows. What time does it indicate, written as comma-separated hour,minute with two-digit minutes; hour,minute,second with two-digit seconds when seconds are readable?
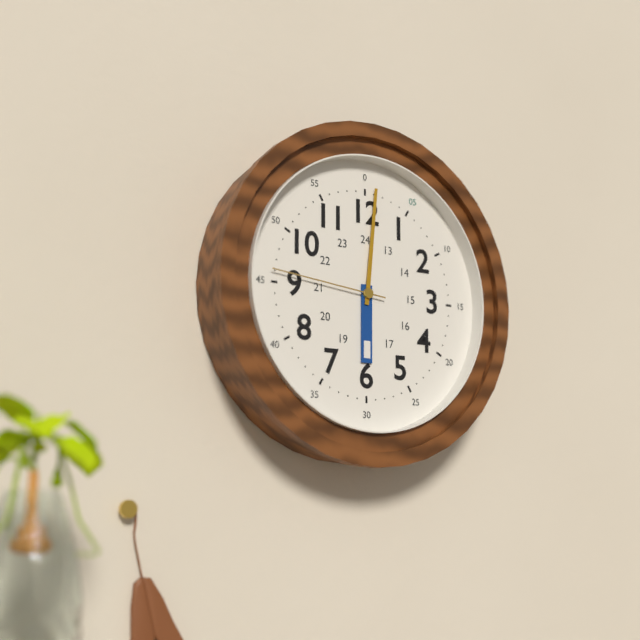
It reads 6,01,46
